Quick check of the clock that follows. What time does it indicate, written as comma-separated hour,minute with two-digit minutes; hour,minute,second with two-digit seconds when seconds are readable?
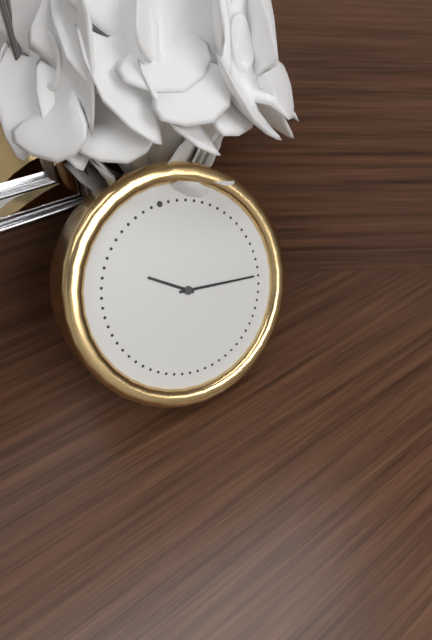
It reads 10,17
